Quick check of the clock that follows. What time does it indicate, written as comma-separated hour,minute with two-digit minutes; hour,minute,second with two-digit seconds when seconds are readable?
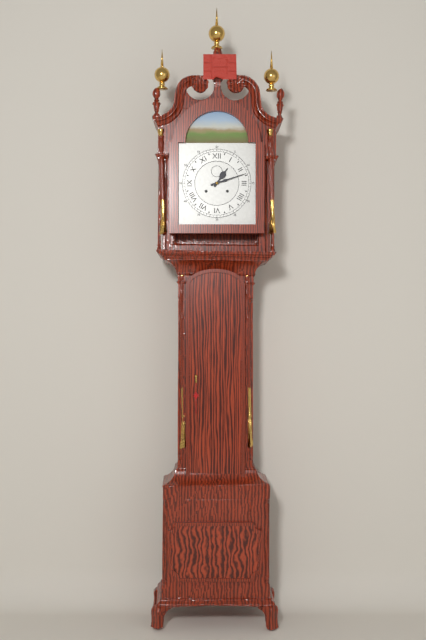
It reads 1,12
